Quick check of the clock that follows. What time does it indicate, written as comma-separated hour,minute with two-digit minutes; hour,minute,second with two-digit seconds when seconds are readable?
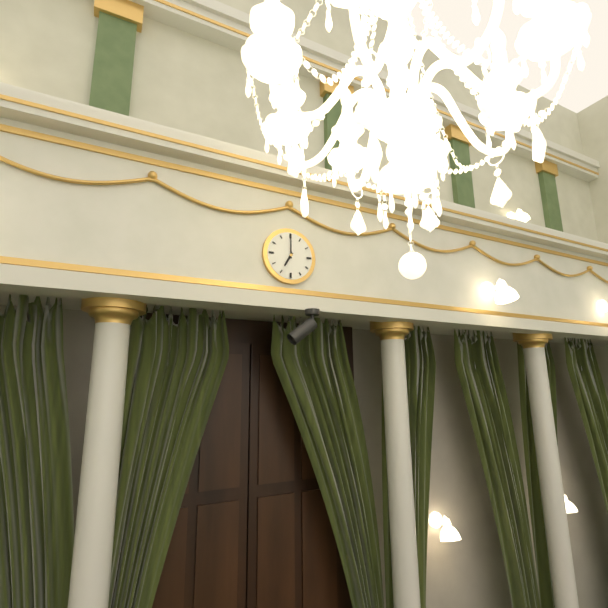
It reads 7,00
